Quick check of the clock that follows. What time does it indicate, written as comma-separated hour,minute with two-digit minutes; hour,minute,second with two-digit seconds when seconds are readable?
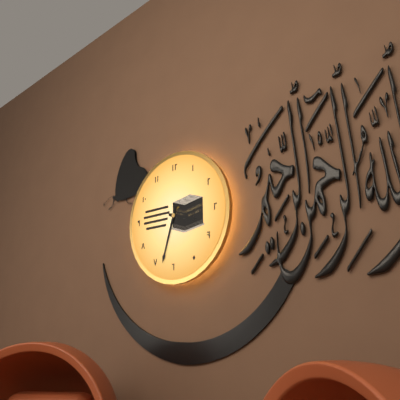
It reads 3,33
